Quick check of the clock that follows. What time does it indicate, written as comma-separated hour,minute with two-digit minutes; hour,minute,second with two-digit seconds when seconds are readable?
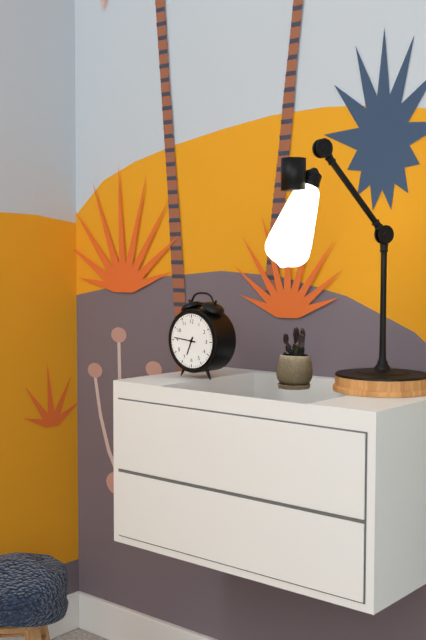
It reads 6,46
